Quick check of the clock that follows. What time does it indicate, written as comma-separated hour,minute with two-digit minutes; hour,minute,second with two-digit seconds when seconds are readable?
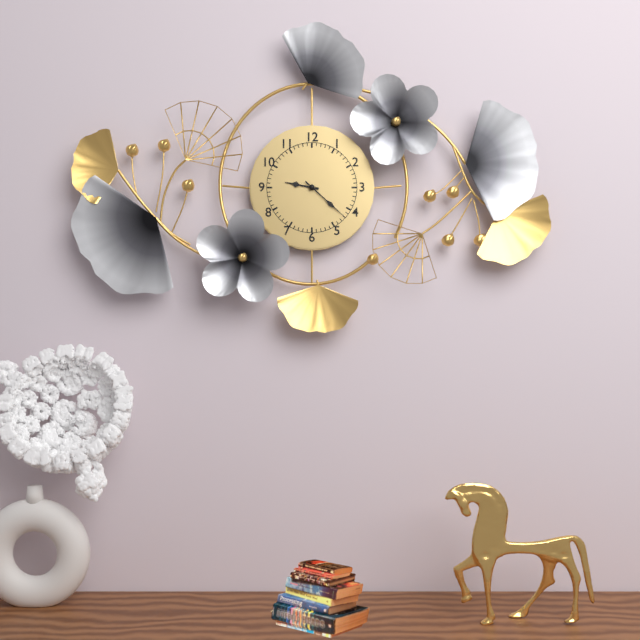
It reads 9,22
